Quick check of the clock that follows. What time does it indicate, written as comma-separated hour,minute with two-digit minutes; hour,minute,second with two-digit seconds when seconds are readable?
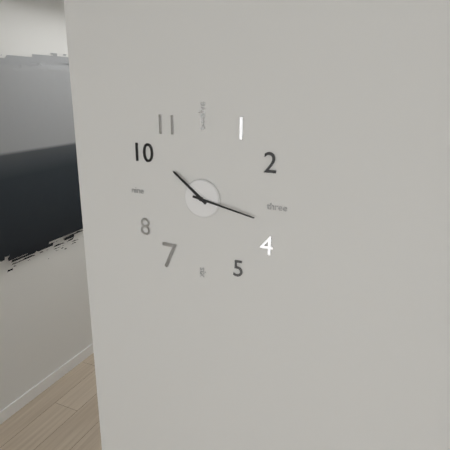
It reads 10,17
